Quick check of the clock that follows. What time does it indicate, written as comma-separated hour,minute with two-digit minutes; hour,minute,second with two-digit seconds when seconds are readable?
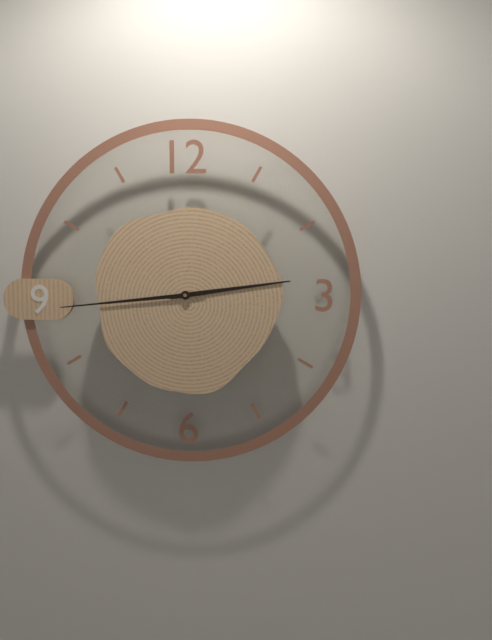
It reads 2,44
